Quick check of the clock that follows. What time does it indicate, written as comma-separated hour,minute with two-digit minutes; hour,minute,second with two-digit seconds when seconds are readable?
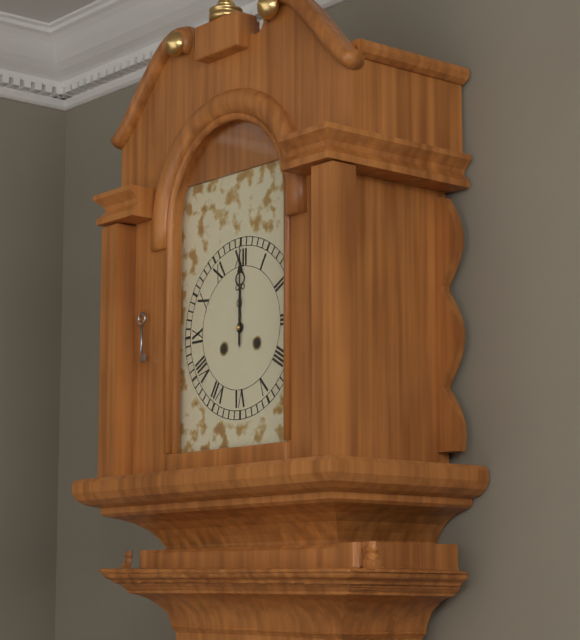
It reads 12,00
